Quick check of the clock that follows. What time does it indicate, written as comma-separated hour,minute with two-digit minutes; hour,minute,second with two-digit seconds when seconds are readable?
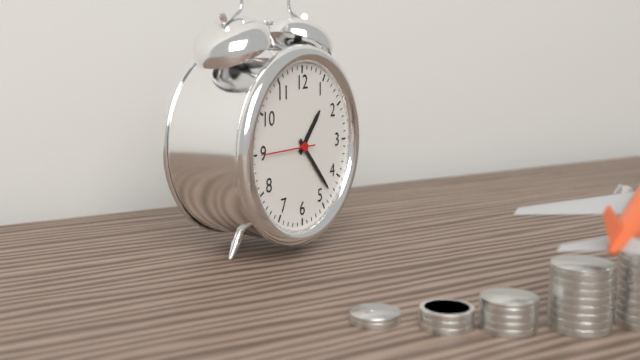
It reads 1,23,45
